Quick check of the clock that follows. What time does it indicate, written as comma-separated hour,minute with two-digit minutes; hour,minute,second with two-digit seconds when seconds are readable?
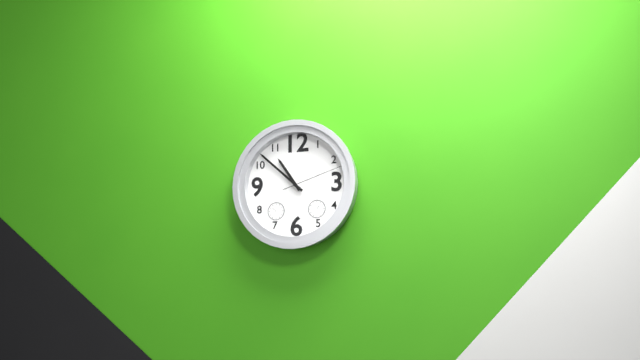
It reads 10,52,12
